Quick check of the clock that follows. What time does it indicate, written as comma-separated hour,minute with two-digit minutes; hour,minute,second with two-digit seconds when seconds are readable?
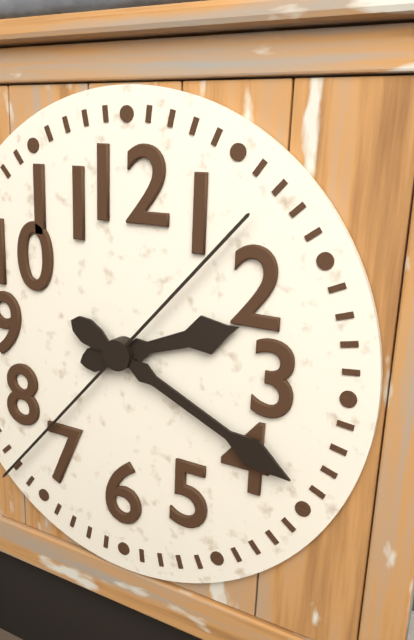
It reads 2,19,37
